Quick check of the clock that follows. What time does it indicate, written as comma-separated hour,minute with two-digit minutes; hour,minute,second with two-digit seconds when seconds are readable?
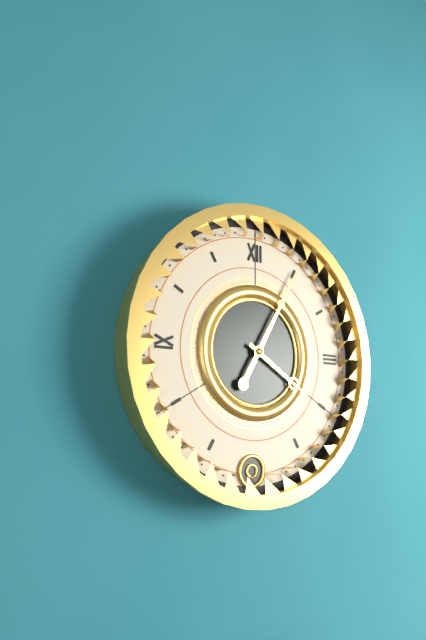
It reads 4,05
